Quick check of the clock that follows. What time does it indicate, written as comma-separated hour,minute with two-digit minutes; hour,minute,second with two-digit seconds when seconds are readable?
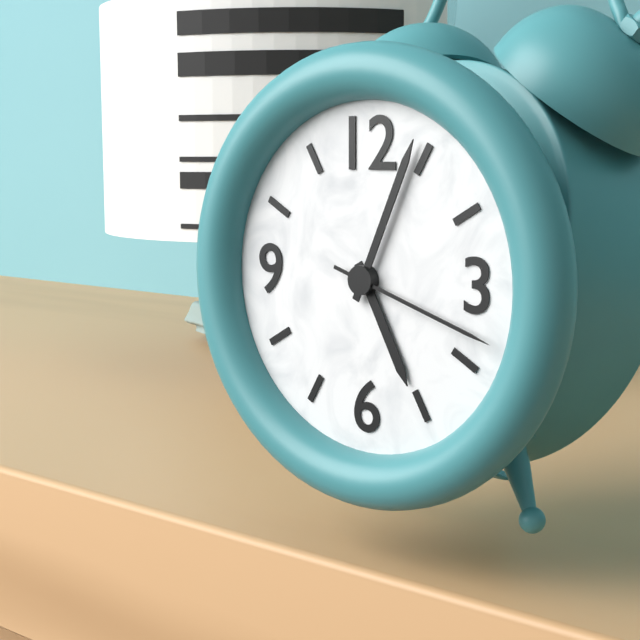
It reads 5,04,18
